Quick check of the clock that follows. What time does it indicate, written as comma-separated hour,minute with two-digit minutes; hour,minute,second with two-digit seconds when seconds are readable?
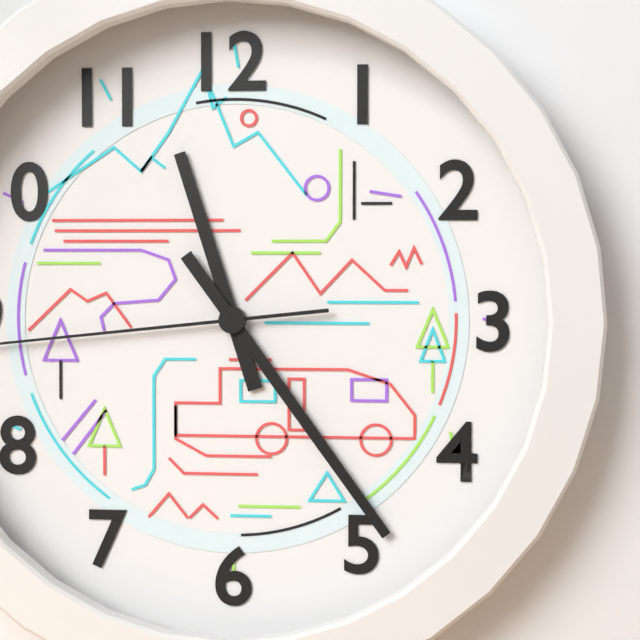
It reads 11,24
